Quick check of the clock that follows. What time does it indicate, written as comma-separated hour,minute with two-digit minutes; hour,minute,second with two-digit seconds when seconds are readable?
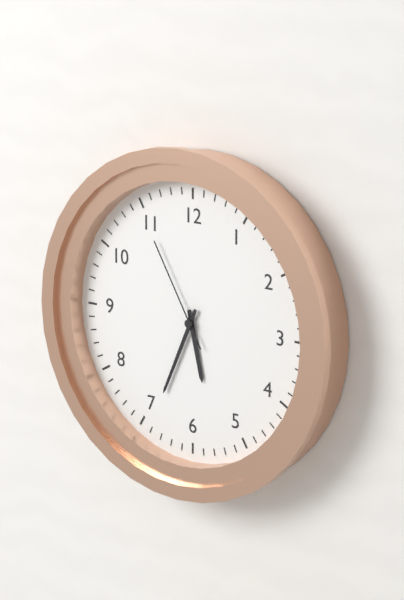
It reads 5,34,55
